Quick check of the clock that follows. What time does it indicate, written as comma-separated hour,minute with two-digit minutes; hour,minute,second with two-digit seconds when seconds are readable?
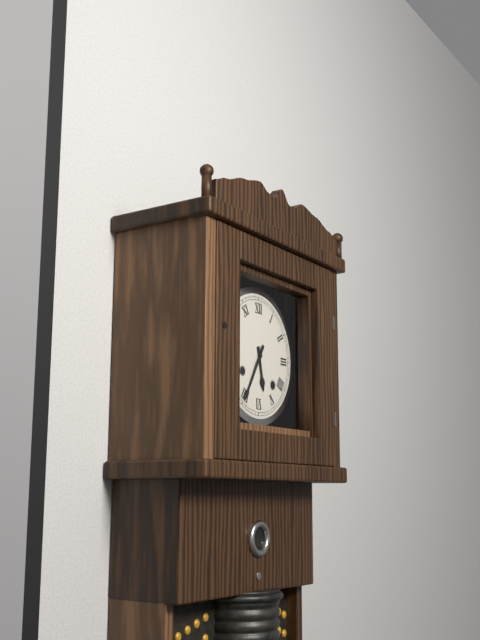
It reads 5,35
